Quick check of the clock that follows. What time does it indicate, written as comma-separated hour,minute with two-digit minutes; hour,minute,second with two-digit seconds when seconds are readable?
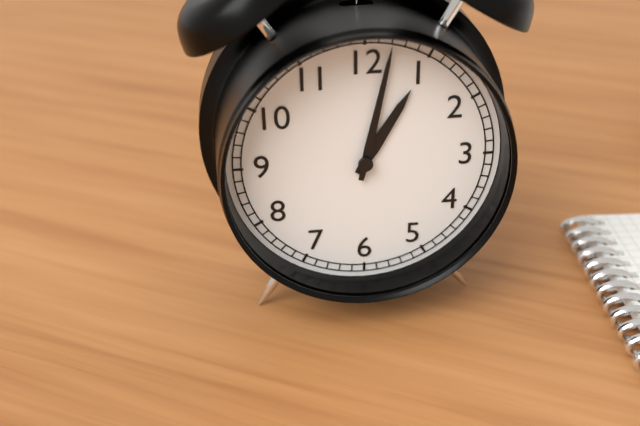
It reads 1,02
